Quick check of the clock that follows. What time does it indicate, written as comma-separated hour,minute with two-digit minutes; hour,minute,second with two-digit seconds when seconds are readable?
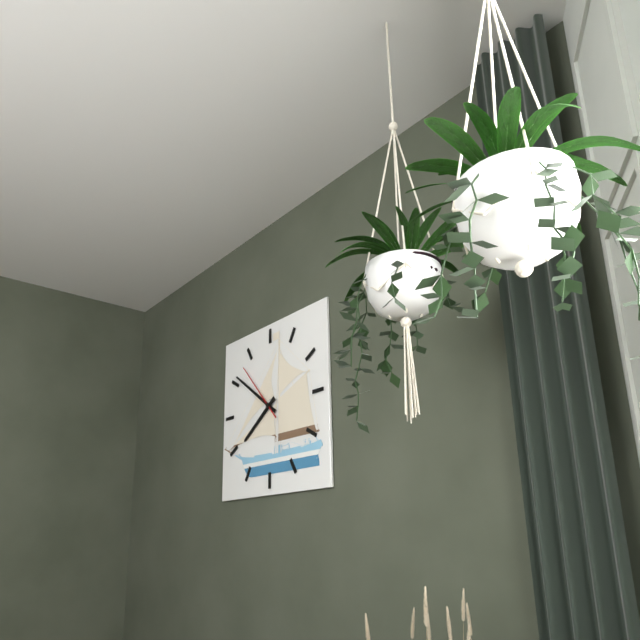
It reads 7,51,53
